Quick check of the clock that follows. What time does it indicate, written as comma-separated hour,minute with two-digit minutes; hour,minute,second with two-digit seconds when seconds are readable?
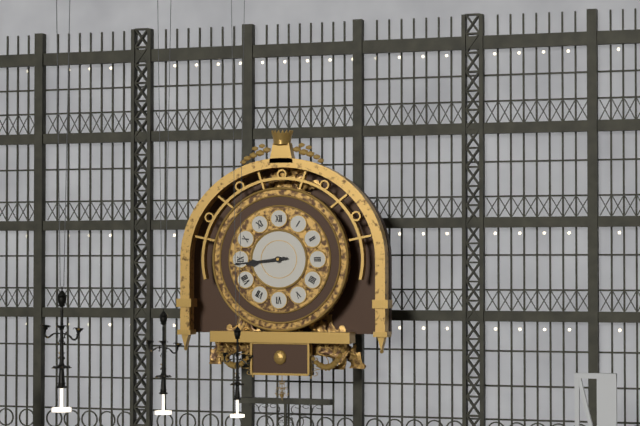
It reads 8,44
